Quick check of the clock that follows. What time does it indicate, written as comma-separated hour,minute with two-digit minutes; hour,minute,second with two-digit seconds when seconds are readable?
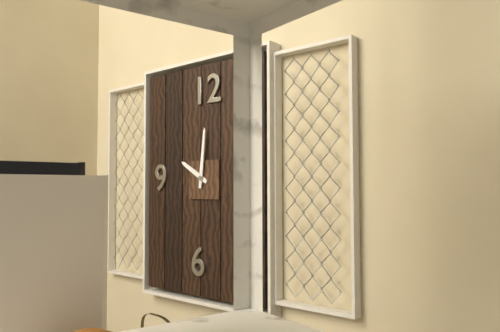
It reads 10,01
